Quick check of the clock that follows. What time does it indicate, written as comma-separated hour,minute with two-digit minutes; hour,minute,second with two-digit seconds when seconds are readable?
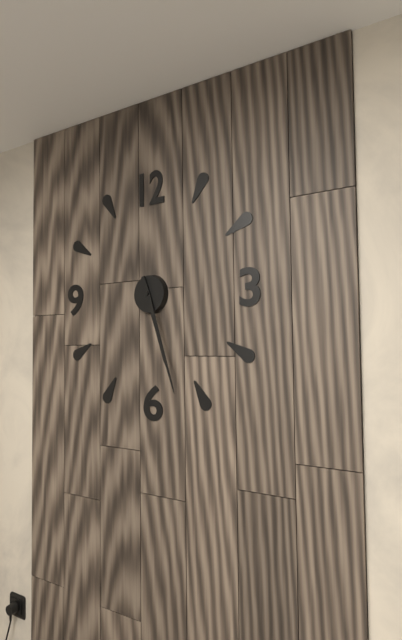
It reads 5,27
